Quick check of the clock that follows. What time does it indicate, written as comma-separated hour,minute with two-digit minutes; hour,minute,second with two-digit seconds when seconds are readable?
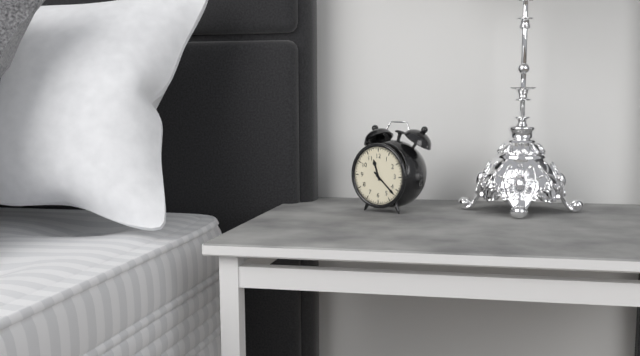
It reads 11,22
